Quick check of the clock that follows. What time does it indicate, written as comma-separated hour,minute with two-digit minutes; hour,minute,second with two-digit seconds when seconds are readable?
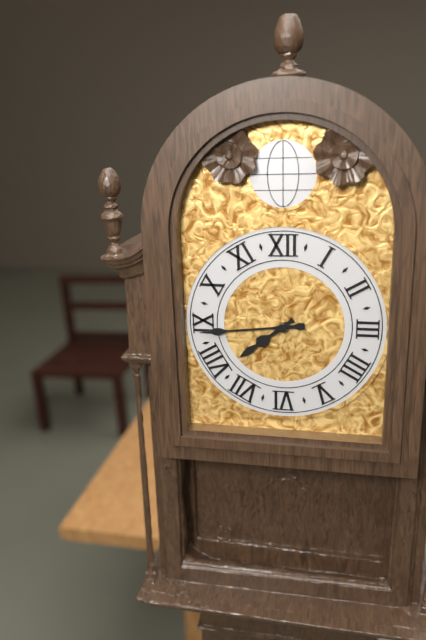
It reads 7,44
